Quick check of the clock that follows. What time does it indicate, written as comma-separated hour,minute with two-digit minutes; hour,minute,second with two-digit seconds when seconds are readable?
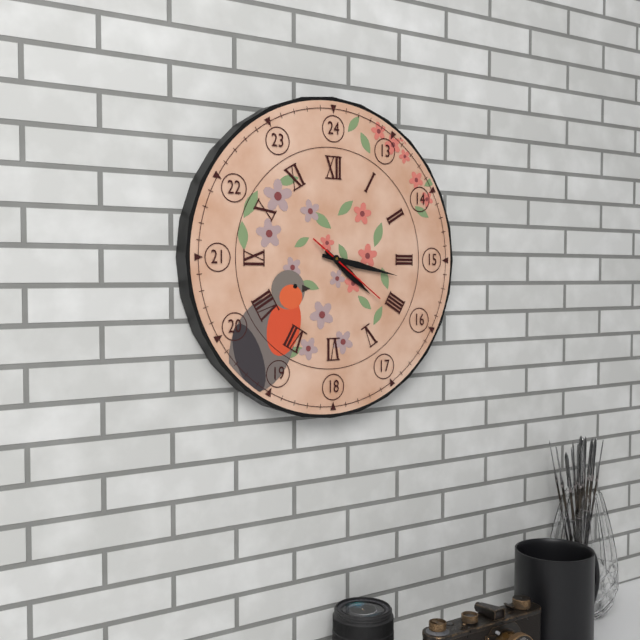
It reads 4,17,21
